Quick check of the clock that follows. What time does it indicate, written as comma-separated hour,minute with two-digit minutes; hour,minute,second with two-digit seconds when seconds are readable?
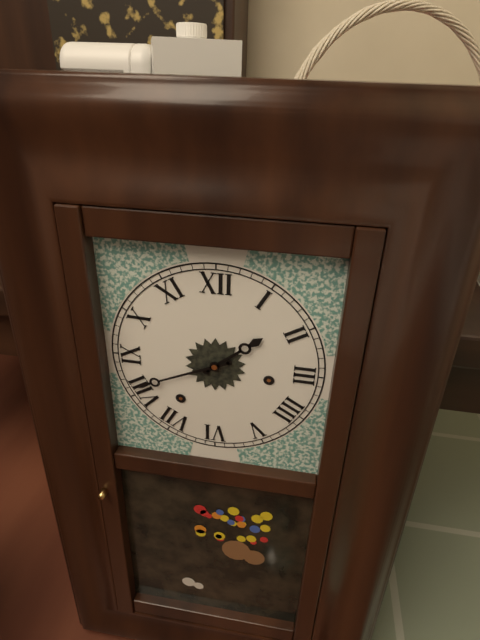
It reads 1,41
